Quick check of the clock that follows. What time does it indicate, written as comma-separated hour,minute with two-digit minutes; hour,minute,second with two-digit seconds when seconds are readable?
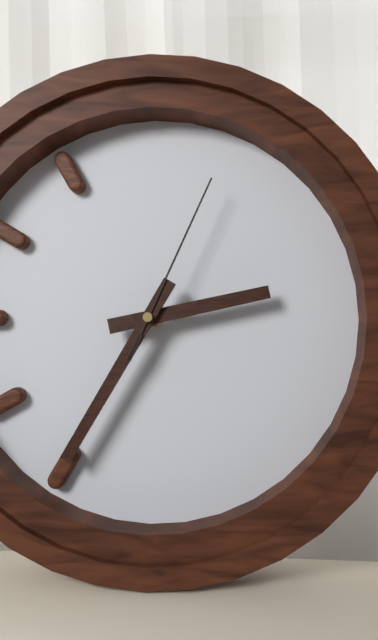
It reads 2,35,04
